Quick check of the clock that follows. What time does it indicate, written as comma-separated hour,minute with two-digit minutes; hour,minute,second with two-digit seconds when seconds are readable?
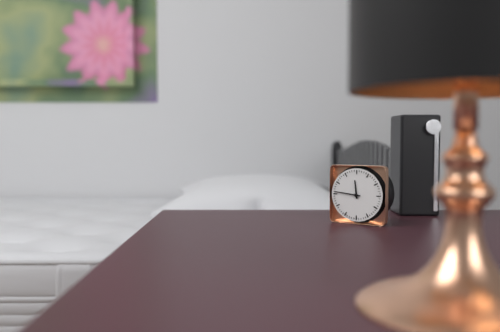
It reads 11,46
